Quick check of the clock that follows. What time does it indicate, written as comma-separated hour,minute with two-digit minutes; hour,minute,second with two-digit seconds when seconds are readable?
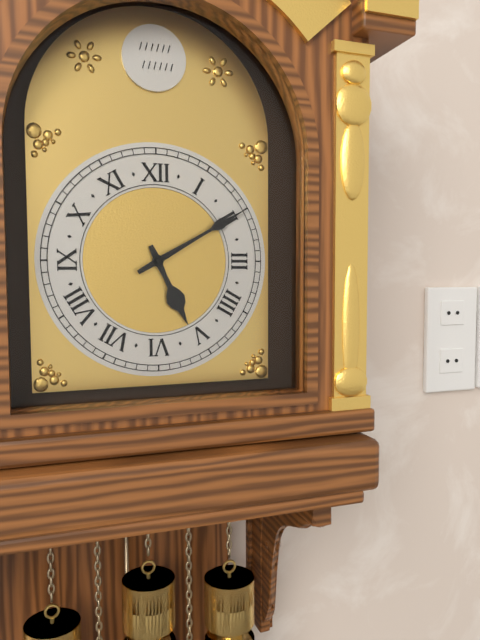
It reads 5,10
